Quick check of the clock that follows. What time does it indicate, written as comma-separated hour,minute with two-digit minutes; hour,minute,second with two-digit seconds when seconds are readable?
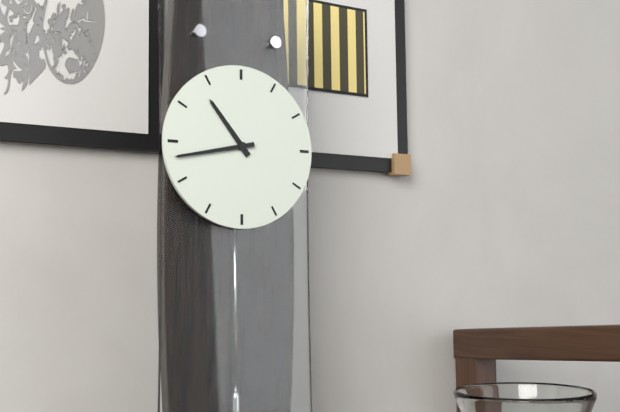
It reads 10,43
